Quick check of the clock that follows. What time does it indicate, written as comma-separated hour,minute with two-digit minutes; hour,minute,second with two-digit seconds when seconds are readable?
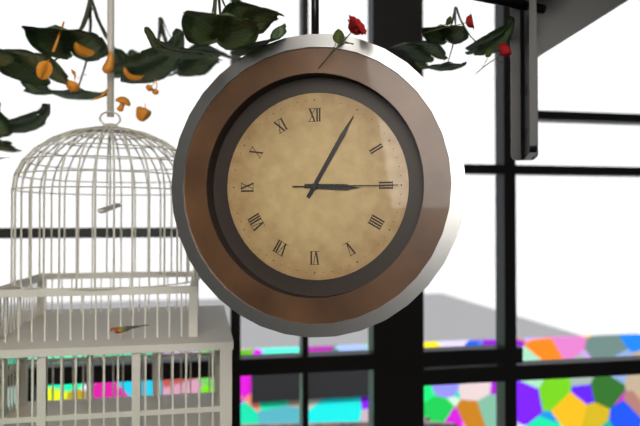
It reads 3,05,15
